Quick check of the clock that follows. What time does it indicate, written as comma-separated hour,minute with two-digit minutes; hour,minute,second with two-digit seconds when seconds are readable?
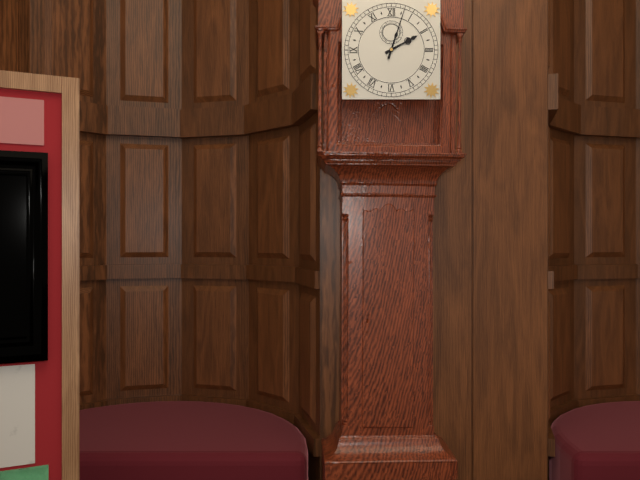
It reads 2,03
